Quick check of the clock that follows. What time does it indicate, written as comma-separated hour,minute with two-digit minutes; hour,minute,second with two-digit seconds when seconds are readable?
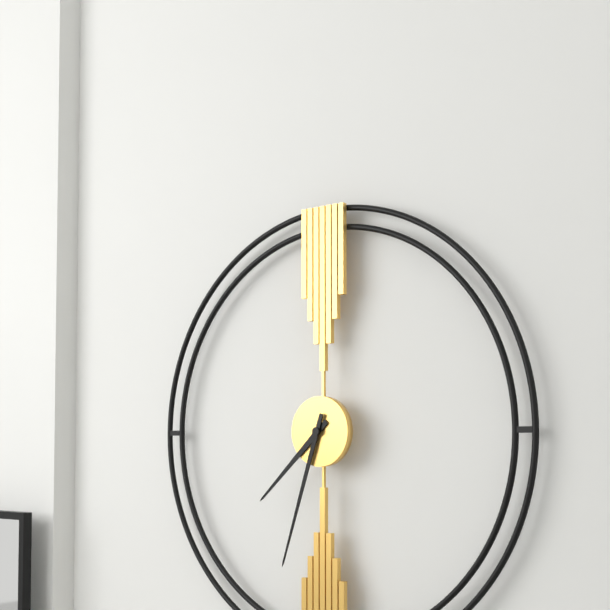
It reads 7,33
